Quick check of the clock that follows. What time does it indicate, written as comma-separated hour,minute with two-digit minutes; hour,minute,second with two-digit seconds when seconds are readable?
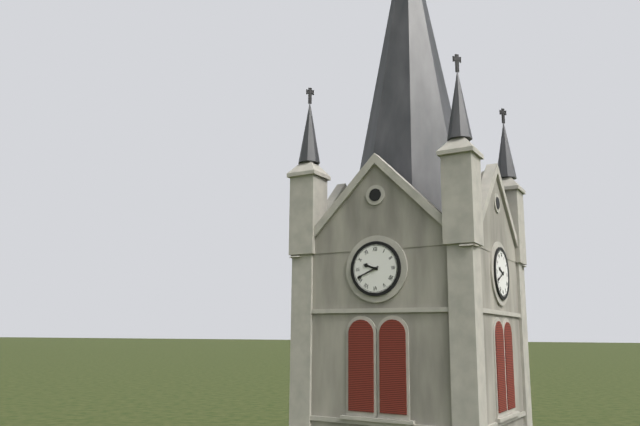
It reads 9,41
